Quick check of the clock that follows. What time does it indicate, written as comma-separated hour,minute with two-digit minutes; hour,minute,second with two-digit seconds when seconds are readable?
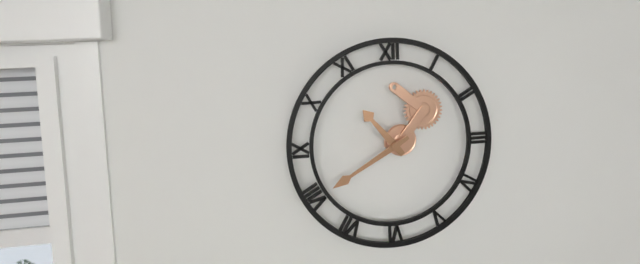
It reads 10,40
